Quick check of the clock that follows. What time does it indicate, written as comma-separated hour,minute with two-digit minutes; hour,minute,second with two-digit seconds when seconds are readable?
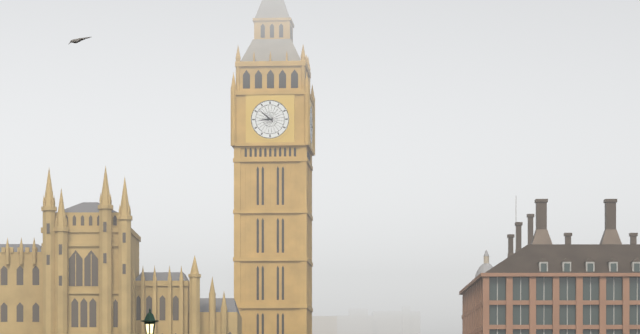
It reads 8,52
